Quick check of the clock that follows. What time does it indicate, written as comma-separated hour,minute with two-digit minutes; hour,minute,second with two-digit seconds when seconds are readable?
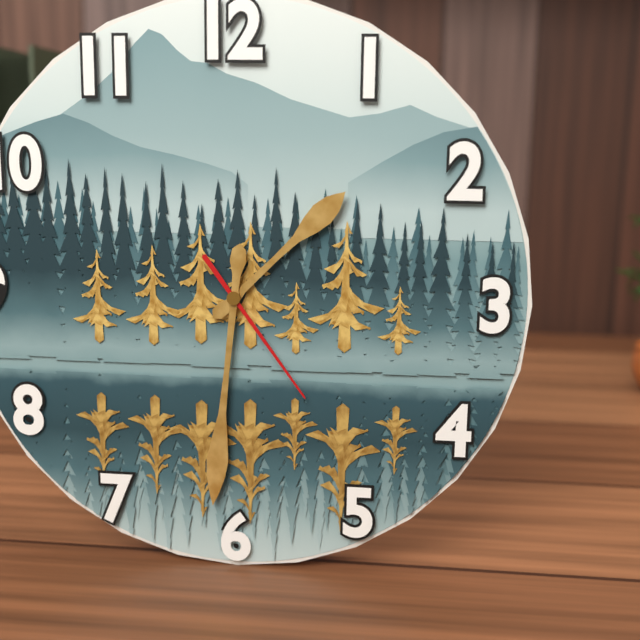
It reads 1,31,24
